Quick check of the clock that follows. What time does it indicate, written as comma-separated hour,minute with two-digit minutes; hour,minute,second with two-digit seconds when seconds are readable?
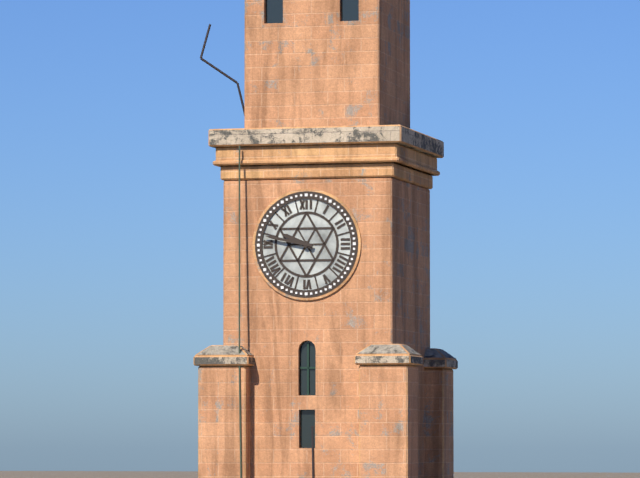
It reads 9,47
